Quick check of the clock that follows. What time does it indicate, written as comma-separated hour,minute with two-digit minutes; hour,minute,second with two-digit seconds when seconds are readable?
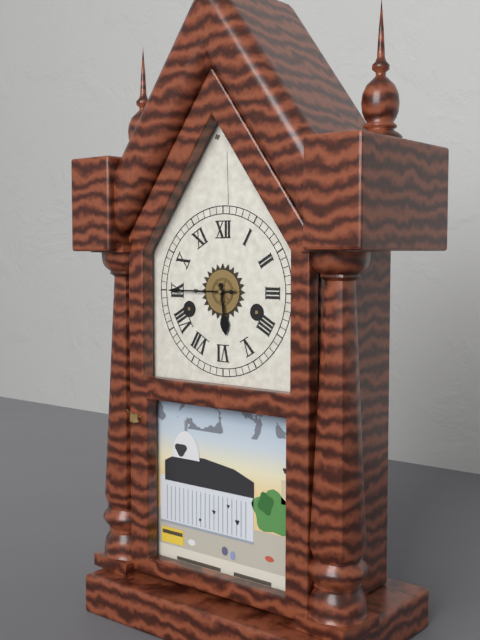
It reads 5,45
